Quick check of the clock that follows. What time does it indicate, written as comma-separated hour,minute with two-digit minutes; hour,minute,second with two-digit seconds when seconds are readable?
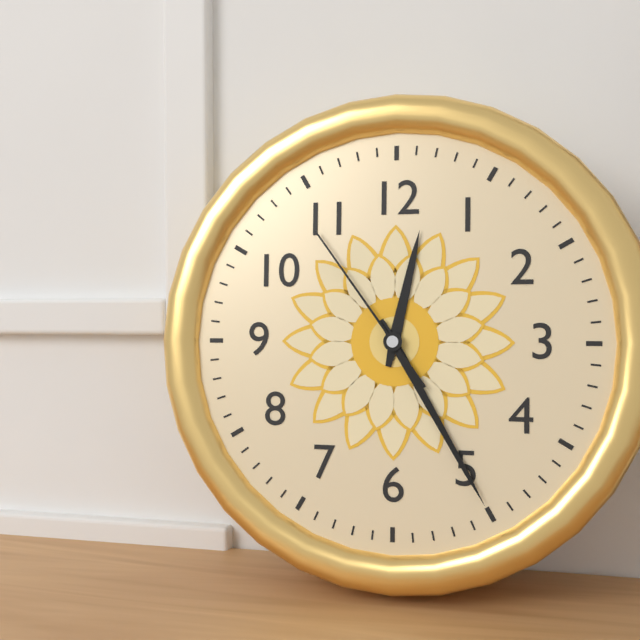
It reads 12,25,54
